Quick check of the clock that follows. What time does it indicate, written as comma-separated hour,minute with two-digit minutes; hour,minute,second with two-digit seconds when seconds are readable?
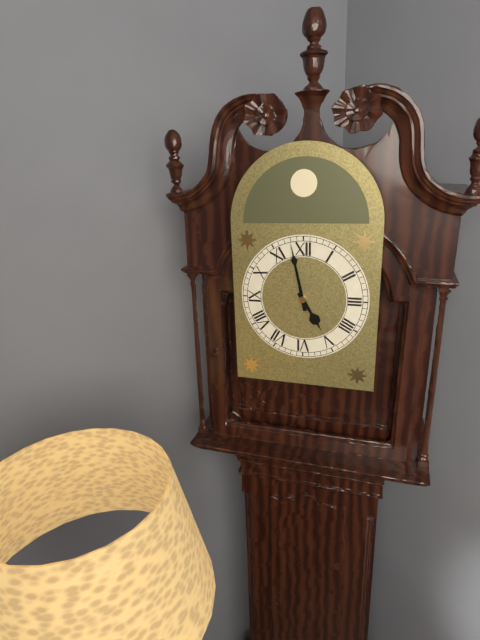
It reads 4,58
